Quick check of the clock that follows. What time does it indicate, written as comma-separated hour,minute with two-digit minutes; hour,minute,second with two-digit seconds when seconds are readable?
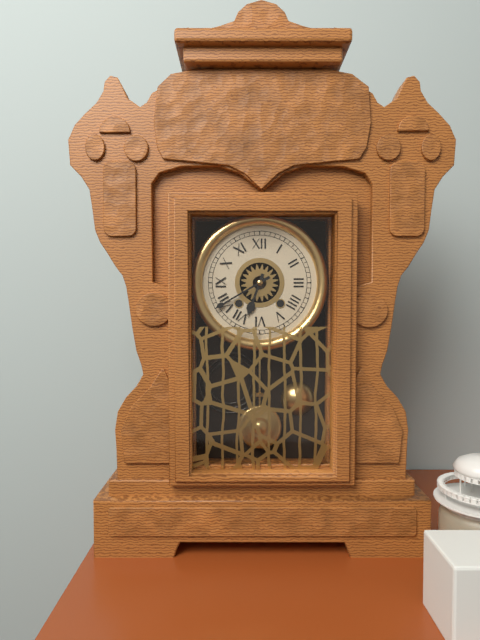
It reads 6,40
